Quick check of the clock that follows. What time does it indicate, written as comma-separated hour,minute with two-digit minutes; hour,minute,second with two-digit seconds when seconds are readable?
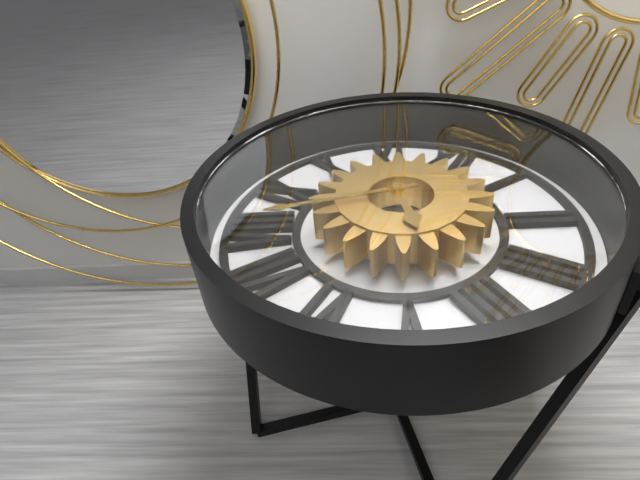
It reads 4,38
